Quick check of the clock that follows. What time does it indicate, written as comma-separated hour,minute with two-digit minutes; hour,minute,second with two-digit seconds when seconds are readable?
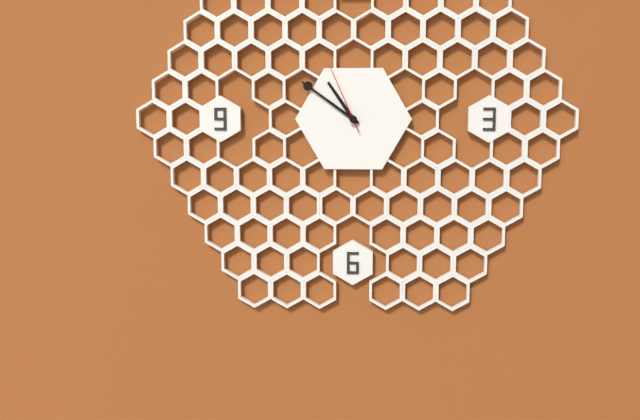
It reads 10,51,56
